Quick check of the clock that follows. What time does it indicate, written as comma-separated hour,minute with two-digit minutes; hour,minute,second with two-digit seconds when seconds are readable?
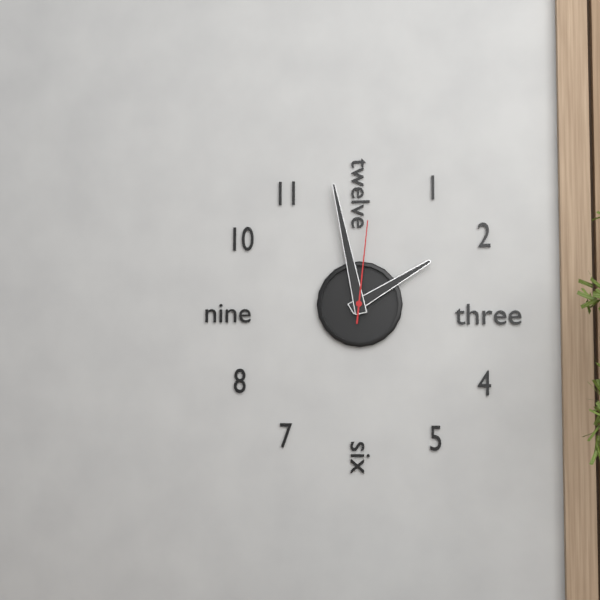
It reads 1,58,01
